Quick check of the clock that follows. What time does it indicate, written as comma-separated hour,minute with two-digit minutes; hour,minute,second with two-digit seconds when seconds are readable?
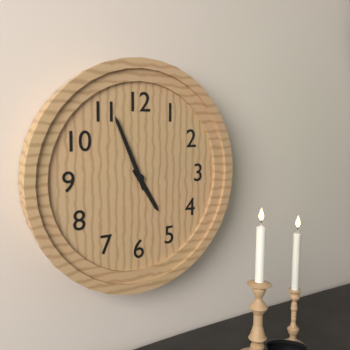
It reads 4,56
